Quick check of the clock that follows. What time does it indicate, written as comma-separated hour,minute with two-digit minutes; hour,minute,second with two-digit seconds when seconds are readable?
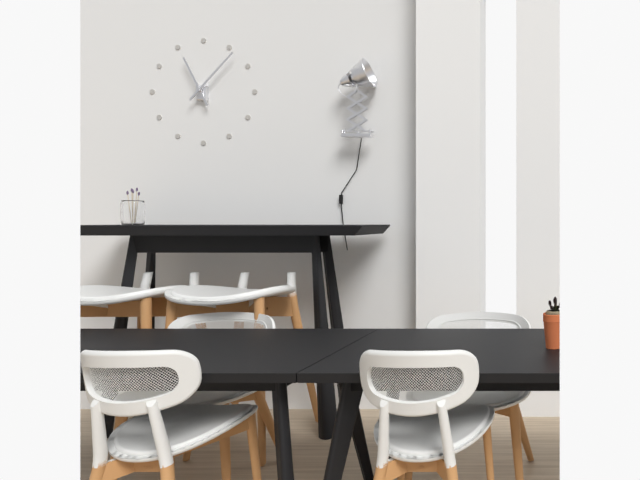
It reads 11,07
